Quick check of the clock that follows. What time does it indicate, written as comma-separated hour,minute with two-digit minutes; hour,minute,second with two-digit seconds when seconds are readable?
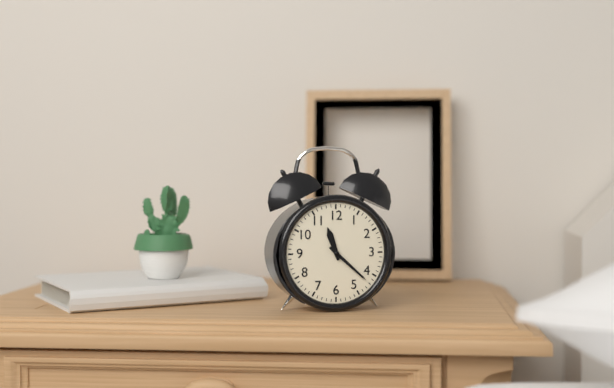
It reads 11,22
